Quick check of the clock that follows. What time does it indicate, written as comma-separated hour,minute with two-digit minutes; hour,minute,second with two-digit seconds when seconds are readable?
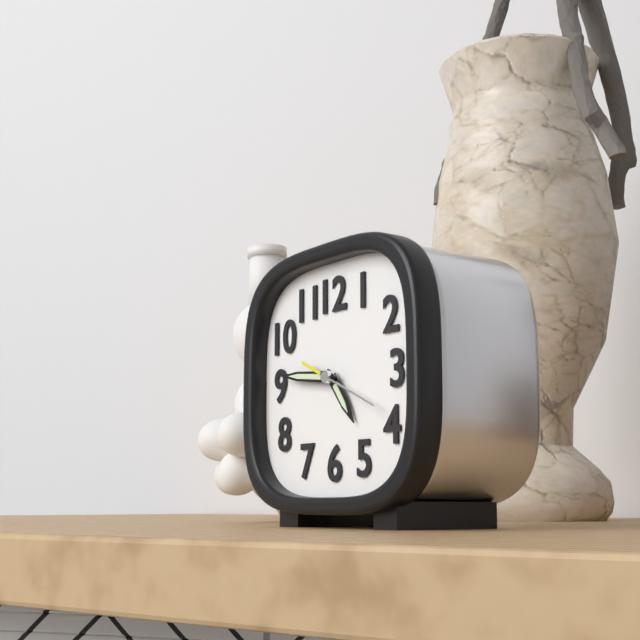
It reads 4,46,19
